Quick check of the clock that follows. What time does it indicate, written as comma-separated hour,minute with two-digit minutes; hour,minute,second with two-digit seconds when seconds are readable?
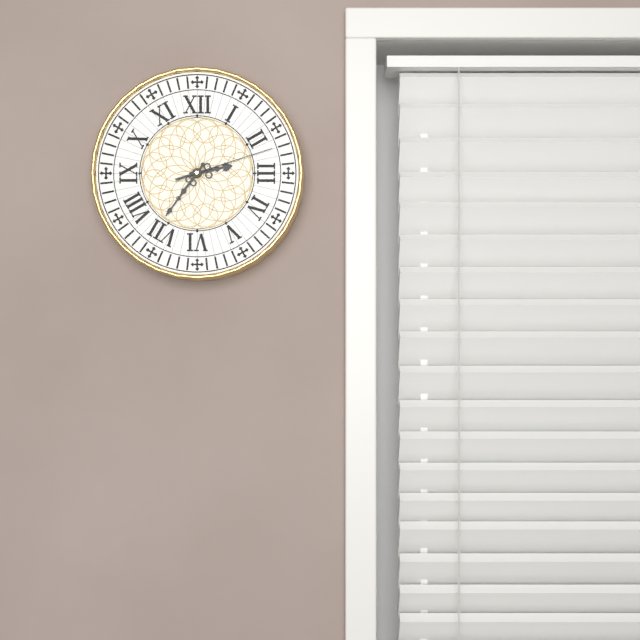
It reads 2,36,12
